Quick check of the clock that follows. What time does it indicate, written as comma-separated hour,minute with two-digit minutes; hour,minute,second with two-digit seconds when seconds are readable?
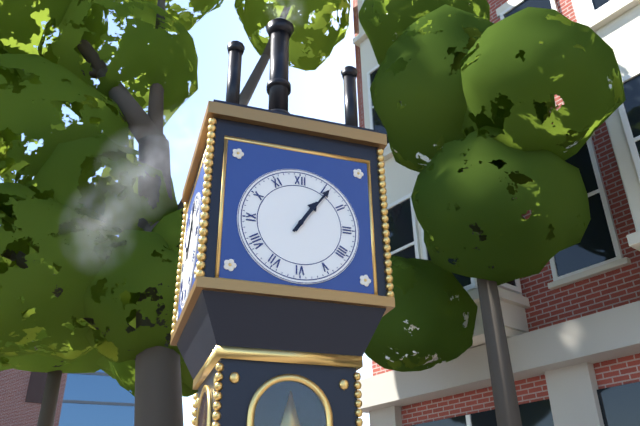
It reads 1,06
